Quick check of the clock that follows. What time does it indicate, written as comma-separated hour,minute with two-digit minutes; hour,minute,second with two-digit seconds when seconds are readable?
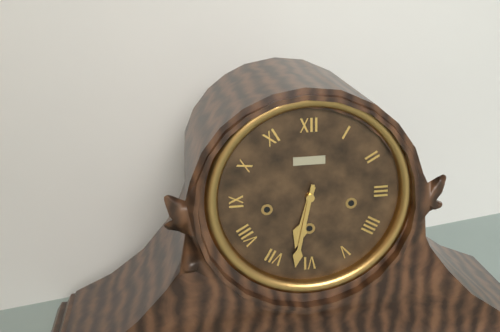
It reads 6,32
